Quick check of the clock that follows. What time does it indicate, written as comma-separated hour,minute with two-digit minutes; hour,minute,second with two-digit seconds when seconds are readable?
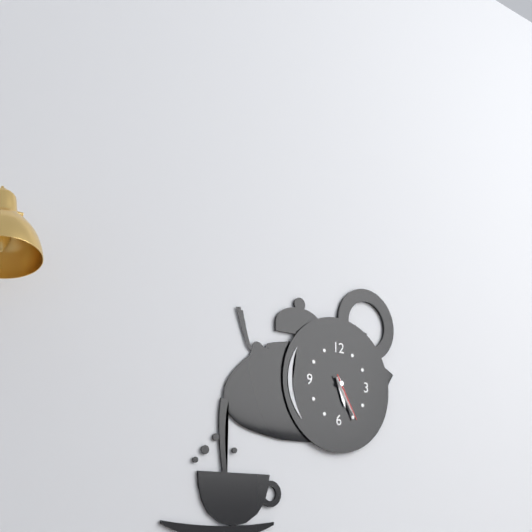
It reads 5,25
